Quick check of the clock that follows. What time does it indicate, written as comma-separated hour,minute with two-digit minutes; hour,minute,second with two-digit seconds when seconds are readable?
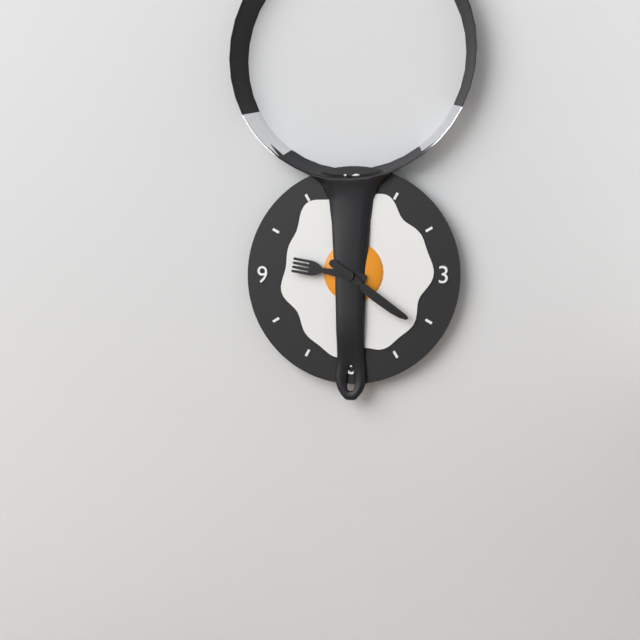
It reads 9,21
